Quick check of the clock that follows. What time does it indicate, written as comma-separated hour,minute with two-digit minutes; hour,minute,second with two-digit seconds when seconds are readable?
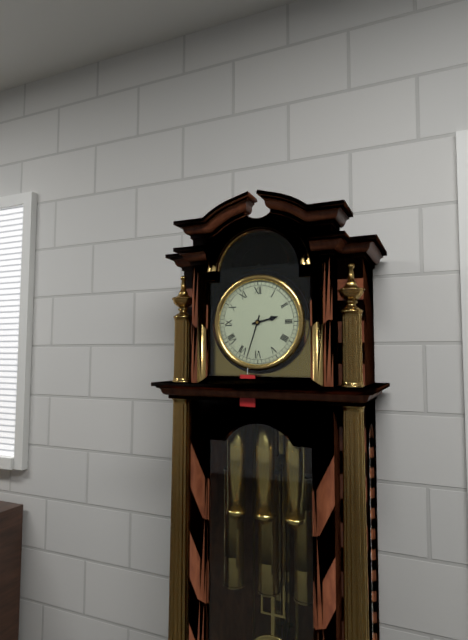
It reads 2,33
